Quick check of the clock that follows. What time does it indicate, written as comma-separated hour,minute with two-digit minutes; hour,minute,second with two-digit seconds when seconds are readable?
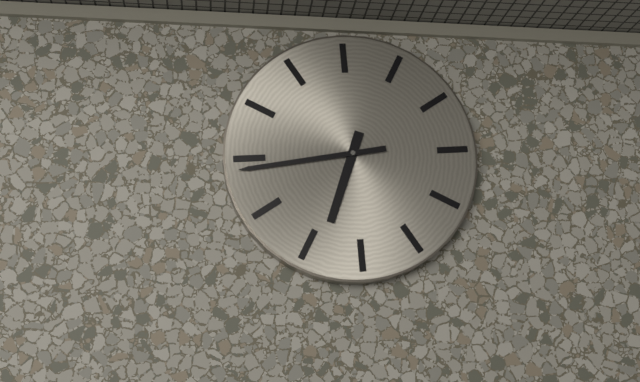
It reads 6,44
